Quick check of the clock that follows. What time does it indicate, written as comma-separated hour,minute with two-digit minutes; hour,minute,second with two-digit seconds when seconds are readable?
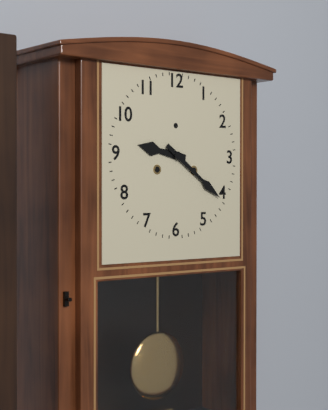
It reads 9,21
